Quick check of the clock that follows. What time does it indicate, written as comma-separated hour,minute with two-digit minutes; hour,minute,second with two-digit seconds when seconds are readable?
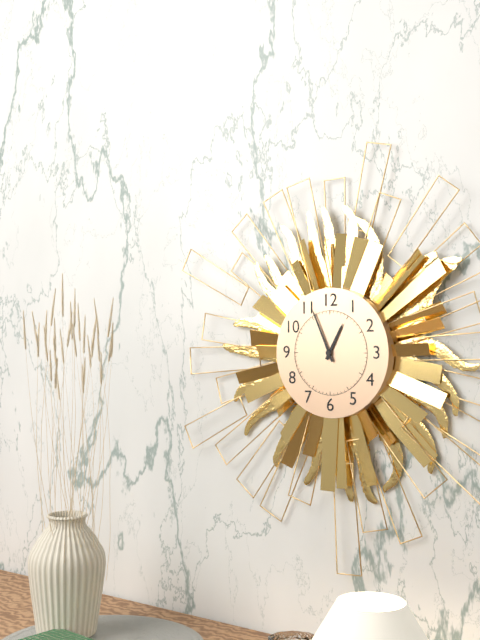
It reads 12,56
